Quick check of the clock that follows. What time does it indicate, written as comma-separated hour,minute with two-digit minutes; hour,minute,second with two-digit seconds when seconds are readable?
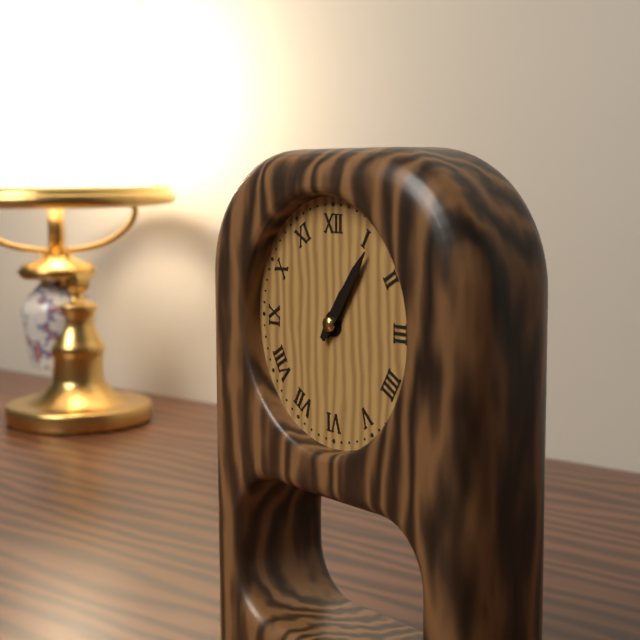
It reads 1,06
